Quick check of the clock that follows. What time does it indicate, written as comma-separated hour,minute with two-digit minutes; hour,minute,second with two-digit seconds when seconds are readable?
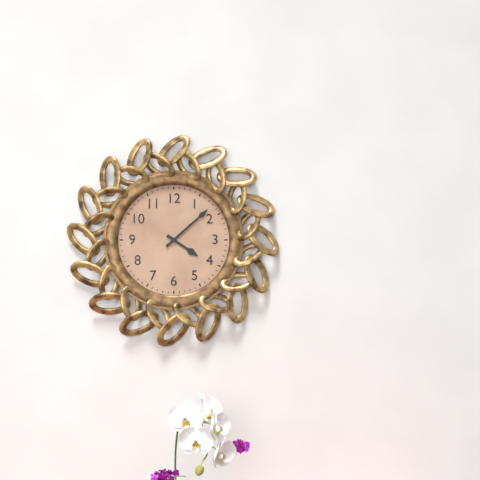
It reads 4,08
